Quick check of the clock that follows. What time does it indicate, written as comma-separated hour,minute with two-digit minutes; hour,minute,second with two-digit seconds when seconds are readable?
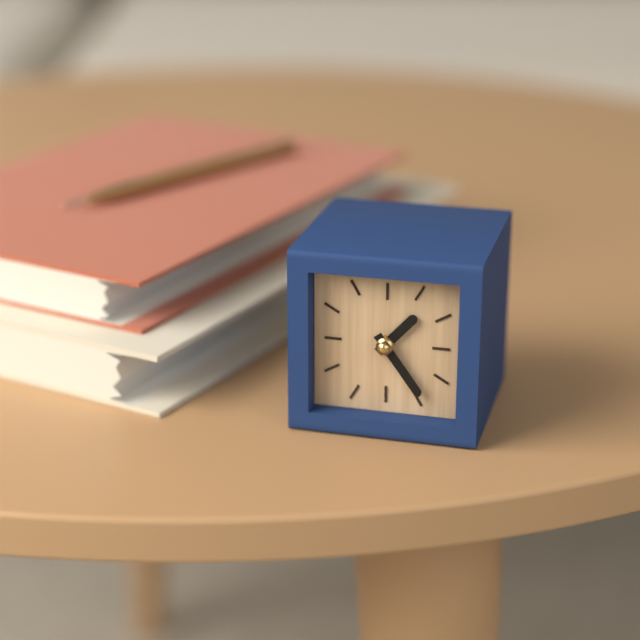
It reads 1,24
